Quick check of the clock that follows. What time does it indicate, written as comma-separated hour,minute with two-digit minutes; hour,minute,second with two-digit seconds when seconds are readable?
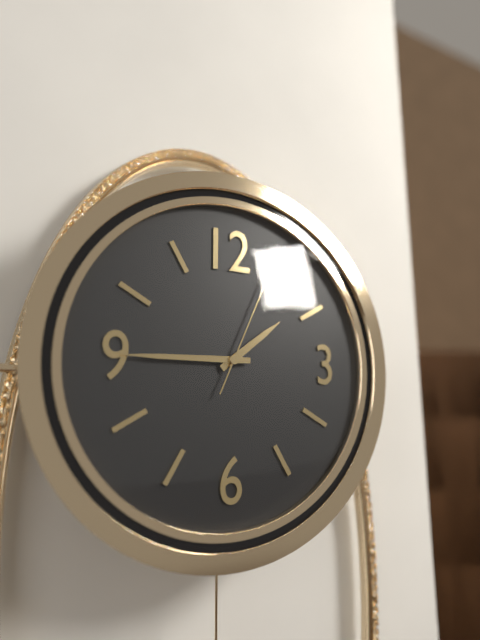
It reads 1,45,04
